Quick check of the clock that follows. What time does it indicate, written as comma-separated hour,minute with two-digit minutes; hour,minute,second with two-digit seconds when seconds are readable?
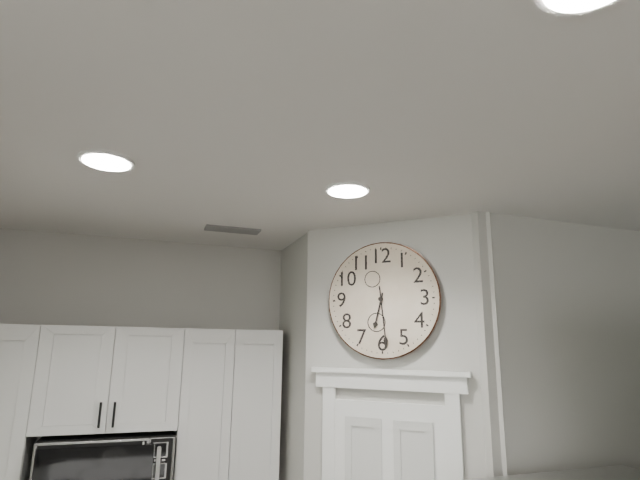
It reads 6,29
